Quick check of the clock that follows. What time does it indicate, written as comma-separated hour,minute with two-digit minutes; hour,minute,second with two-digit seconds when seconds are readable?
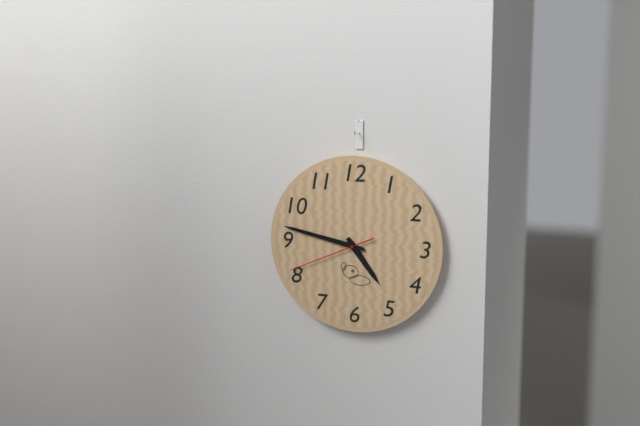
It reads 4,47,41
